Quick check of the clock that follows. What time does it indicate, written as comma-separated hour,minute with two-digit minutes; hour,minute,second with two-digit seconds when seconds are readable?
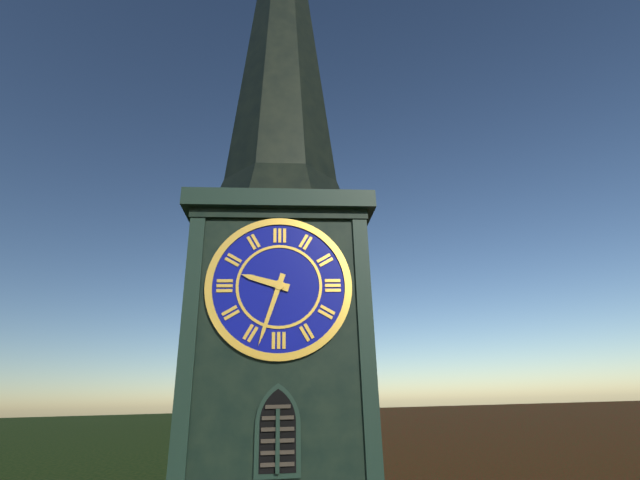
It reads 9,33
